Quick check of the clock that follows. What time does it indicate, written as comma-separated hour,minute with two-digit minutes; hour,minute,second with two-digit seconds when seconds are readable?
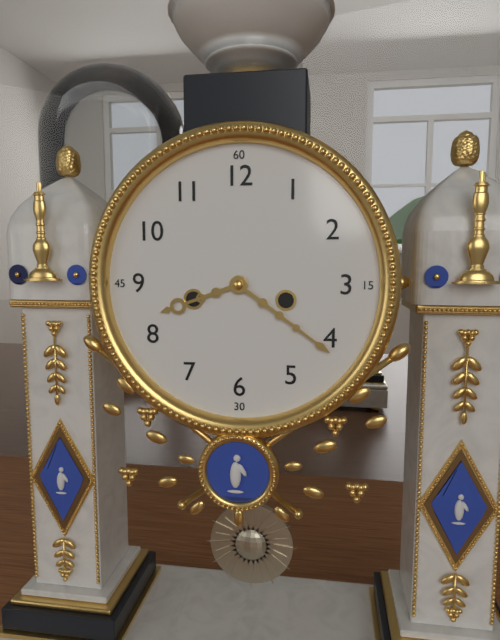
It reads 8,21
